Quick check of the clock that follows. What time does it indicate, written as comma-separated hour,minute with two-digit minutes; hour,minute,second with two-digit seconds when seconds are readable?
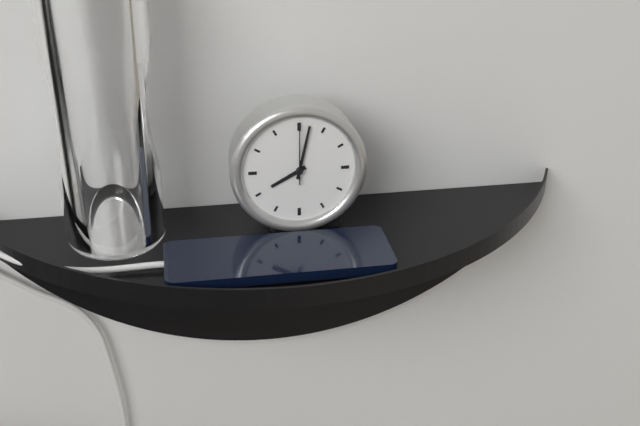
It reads 8,02,00
